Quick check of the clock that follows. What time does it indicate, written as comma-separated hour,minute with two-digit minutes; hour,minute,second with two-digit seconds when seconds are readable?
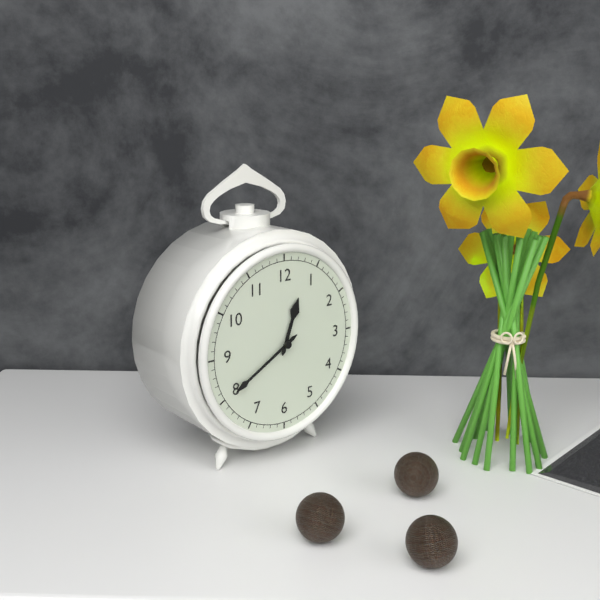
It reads 12,40
